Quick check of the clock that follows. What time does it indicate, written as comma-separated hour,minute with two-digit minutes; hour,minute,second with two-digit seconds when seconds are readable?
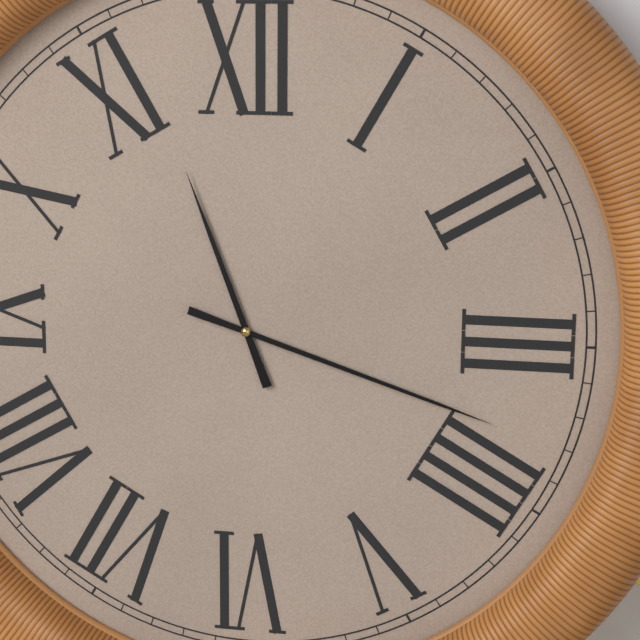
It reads 11,18
